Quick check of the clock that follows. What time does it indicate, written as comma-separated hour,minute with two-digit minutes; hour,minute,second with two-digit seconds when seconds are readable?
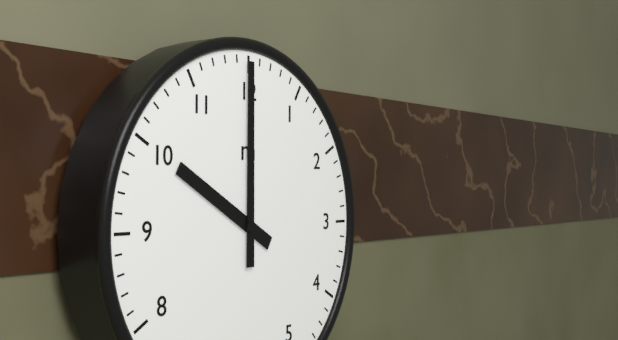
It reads 10,00
